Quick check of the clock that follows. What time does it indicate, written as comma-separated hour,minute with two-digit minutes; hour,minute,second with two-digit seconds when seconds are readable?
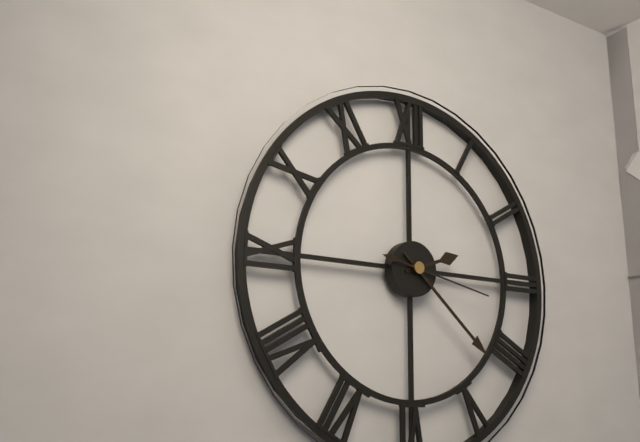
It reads 2,22,17
